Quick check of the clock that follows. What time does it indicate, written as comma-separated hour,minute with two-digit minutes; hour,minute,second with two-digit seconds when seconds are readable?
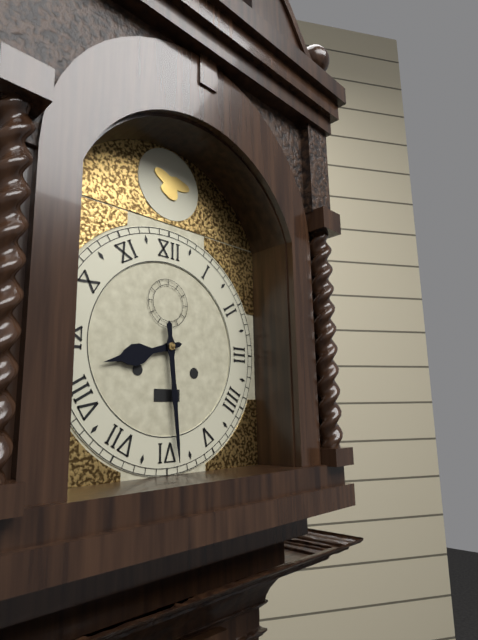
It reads 8,29
